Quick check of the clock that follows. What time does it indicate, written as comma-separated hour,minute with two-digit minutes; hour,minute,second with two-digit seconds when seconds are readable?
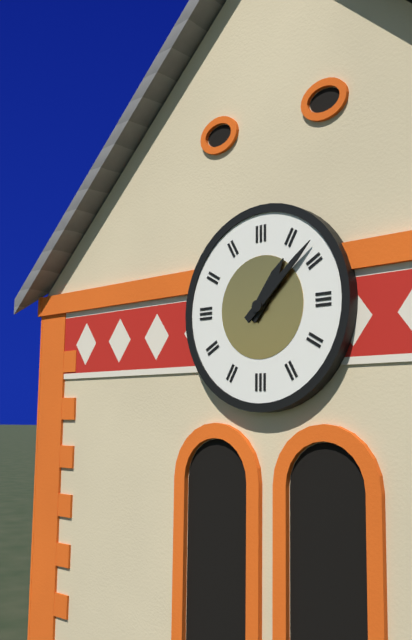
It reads 1,08
